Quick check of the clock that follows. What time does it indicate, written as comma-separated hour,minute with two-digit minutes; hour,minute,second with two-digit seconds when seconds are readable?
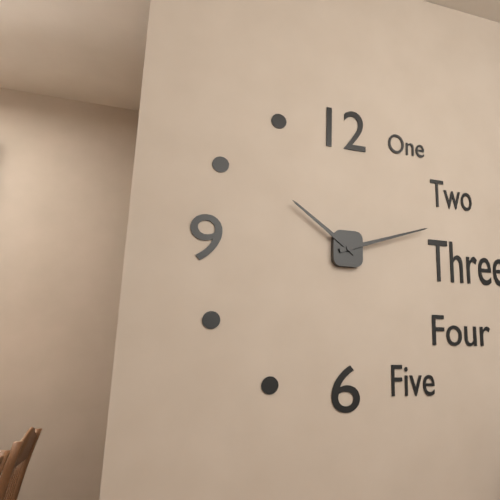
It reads 10,12
